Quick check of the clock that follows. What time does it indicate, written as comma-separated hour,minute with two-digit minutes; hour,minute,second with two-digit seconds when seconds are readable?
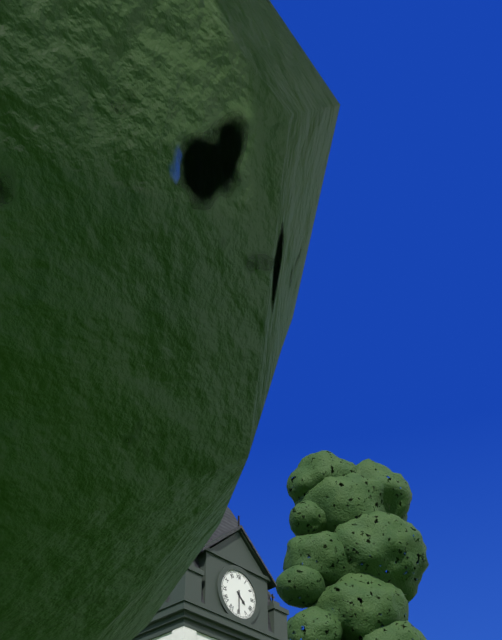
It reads 4,30
